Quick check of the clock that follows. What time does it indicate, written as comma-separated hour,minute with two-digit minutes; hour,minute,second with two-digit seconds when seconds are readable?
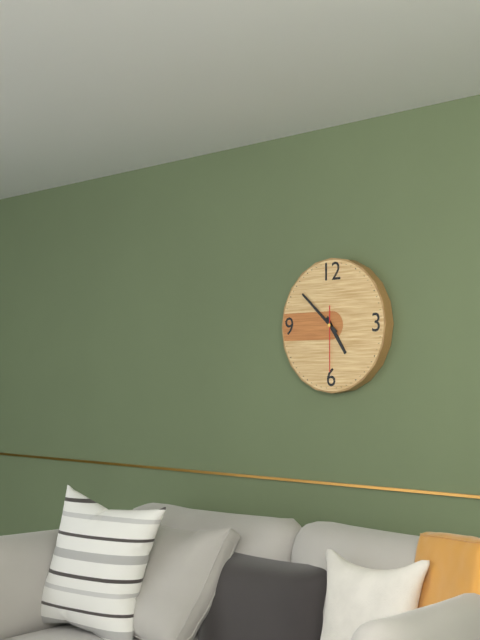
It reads 4,52,30
